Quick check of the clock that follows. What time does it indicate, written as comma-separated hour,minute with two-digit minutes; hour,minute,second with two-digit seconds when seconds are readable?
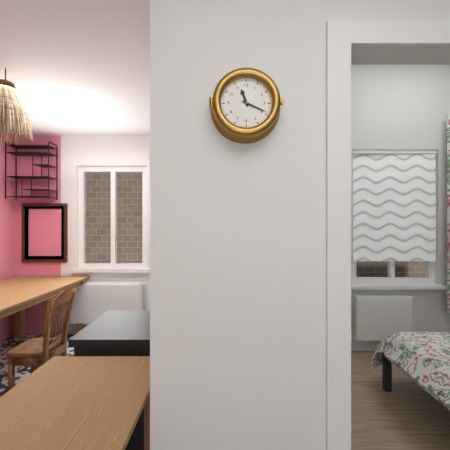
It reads 11,19
